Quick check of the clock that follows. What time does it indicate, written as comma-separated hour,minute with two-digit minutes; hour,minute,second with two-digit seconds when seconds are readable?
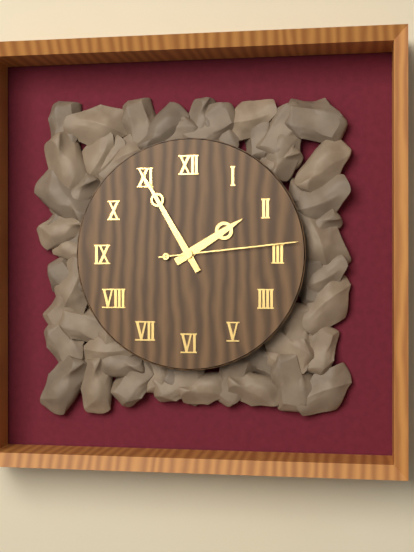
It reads 1,55,14
